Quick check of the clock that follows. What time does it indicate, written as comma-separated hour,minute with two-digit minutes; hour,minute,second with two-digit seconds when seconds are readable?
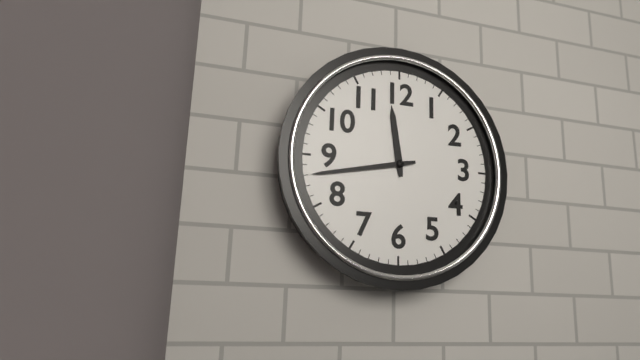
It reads 11,43
